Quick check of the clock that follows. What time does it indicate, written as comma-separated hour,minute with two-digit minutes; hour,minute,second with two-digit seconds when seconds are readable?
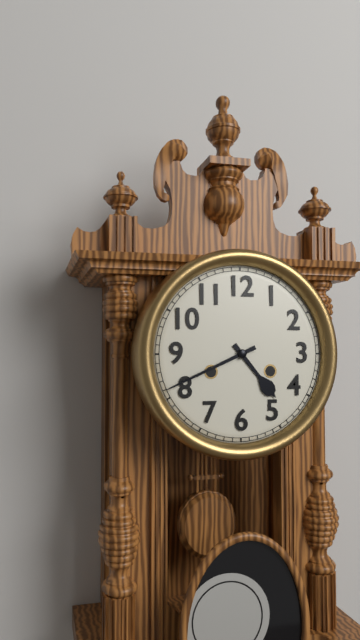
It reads 4,41
